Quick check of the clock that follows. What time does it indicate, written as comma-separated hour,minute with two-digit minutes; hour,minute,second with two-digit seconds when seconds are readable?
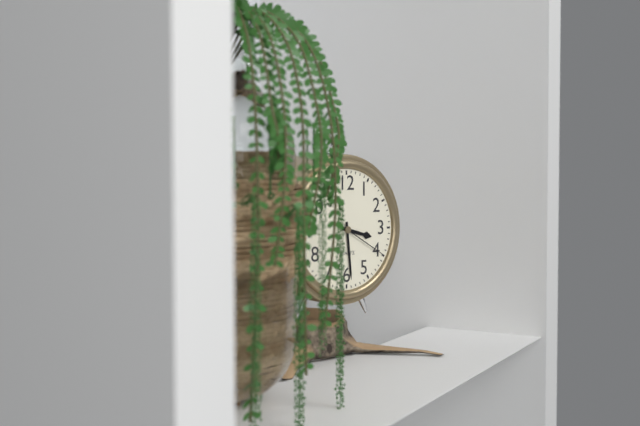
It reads 3,29,20
